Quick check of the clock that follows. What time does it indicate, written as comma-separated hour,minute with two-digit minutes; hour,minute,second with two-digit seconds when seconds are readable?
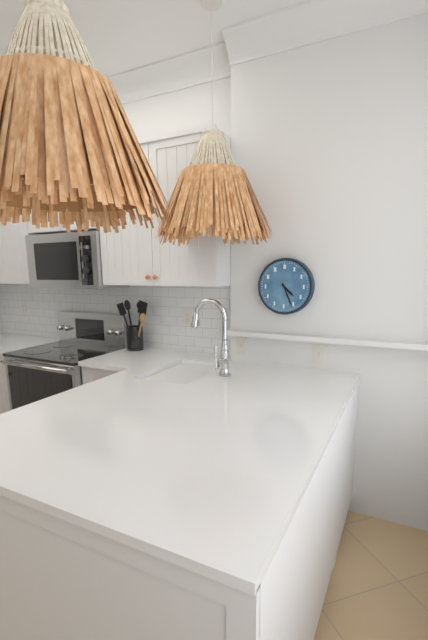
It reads 4,26
